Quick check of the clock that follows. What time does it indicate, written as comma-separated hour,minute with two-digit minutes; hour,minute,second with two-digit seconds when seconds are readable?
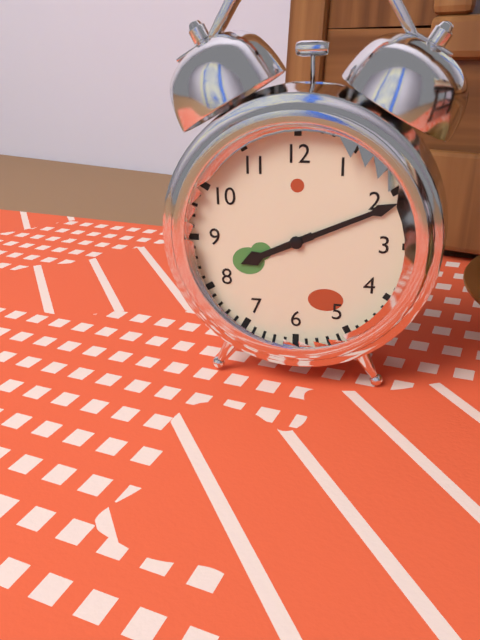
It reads 8,11
